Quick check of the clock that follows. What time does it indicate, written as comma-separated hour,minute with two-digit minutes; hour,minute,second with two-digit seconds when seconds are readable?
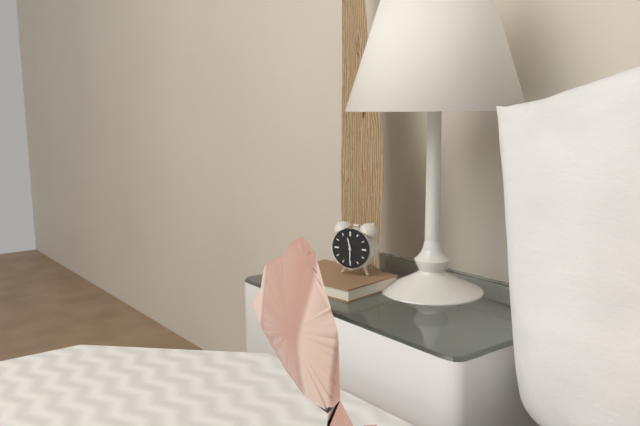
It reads 11,30
